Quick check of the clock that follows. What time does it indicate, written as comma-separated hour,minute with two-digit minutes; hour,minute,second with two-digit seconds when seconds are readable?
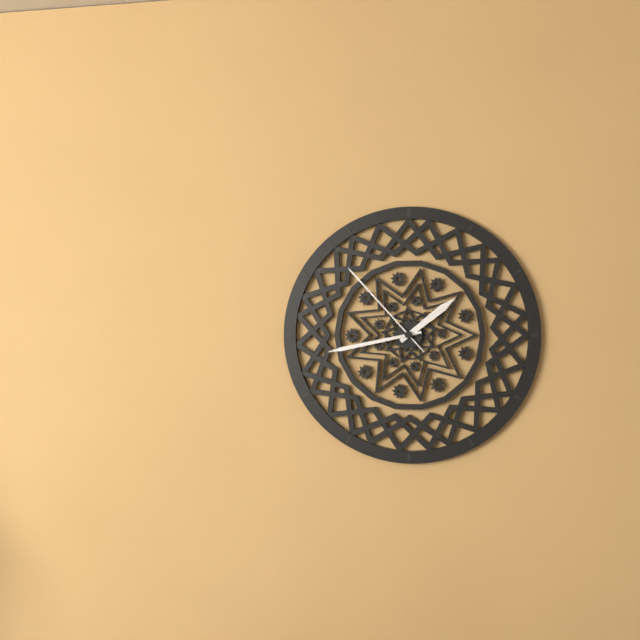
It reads 1,43,53
